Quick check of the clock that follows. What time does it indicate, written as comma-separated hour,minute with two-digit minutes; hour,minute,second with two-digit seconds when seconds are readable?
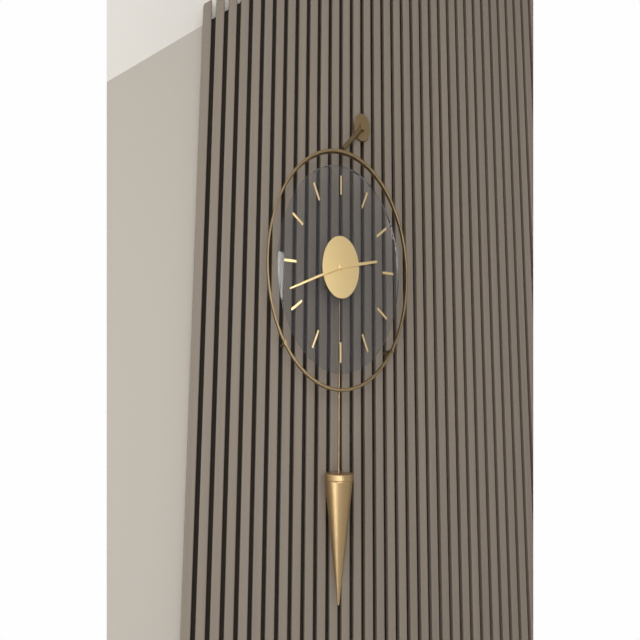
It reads 2,42
